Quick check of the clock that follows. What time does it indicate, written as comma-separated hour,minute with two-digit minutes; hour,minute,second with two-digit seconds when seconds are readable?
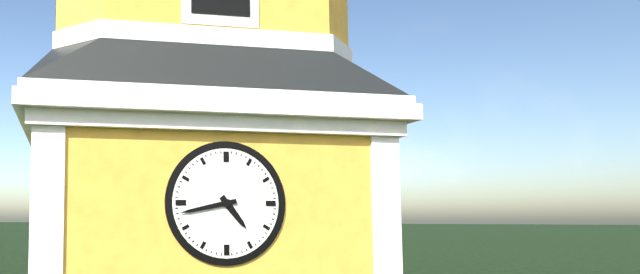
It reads 4,43
